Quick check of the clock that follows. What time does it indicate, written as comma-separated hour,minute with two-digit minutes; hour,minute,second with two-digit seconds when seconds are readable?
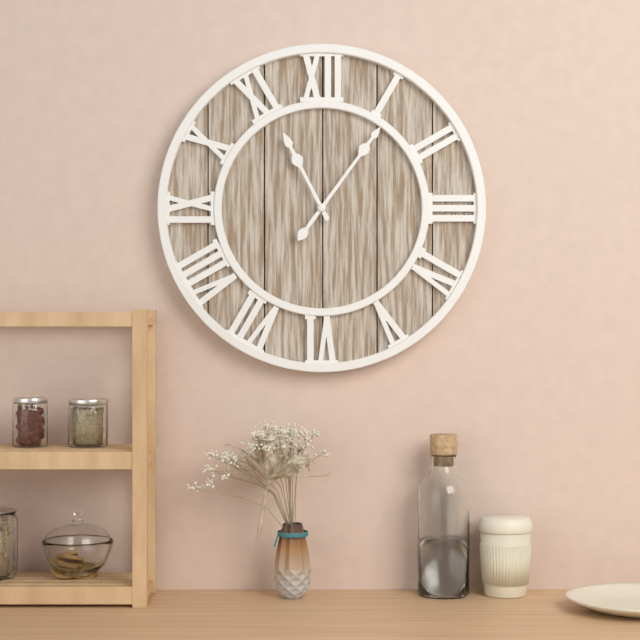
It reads 11,06
